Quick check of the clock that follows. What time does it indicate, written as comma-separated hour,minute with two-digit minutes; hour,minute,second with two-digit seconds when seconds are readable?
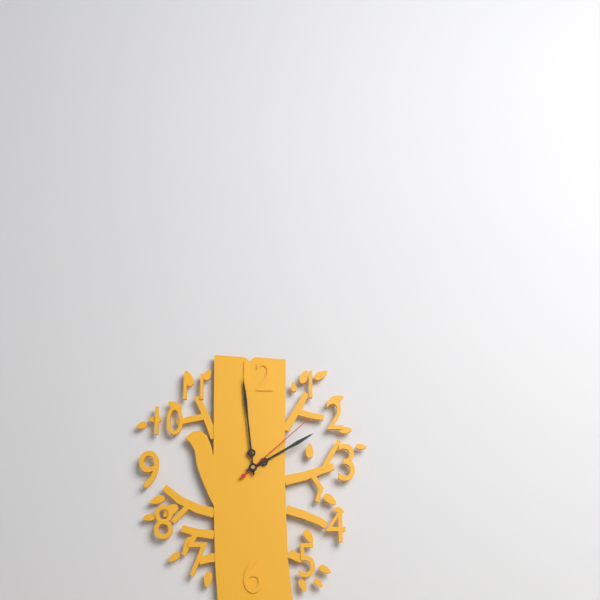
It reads 1,59,08
